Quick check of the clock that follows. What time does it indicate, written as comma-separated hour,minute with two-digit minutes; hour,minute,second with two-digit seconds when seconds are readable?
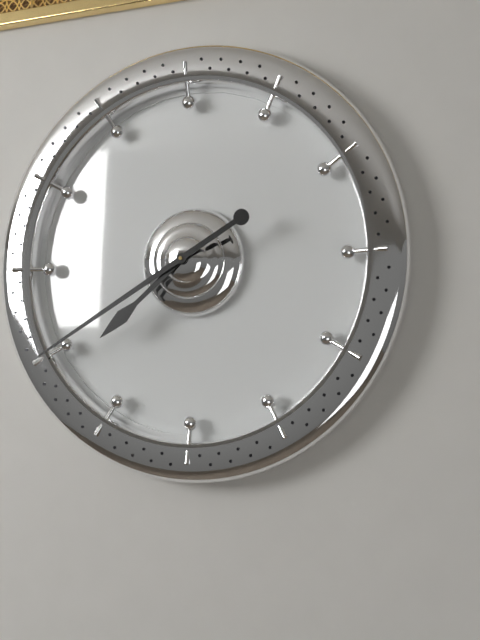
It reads 7,40
